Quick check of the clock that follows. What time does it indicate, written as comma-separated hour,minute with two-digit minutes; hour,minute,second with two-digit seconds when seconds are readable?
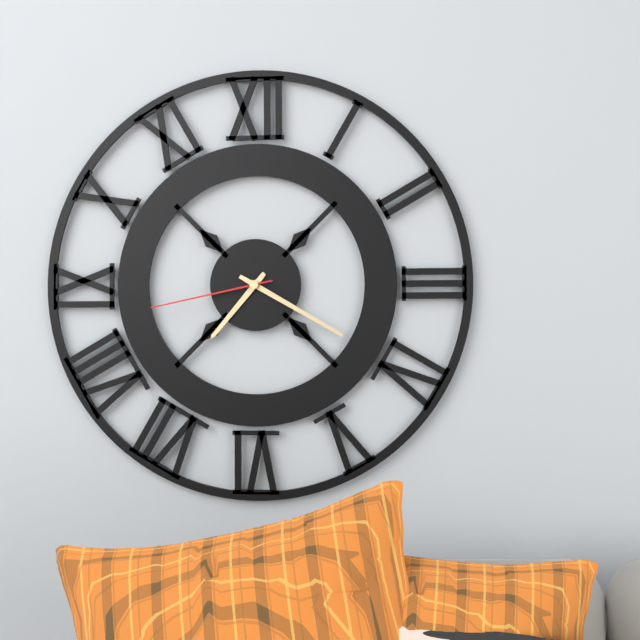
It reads 7,20,43
